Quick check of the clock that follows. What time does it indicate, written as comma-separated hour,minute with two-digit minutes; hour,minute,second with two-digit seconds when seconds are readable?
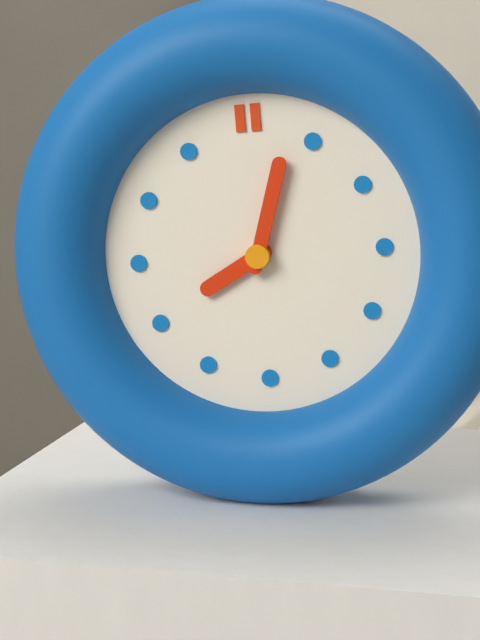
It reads 8,03
